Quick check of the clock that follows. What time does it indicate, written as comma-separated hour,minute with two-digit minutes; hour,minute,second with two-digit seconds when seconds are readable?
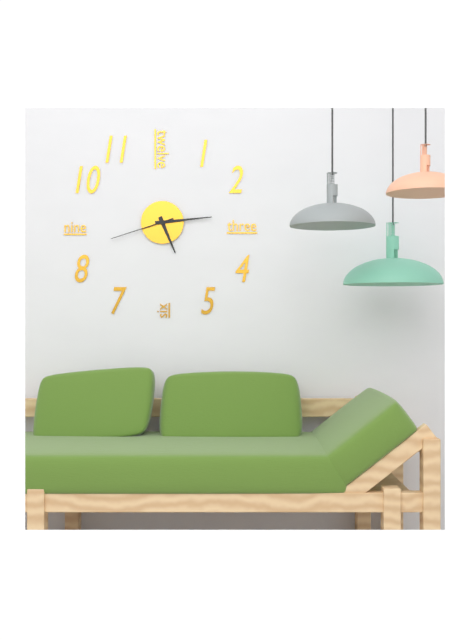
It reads 5,14,42
